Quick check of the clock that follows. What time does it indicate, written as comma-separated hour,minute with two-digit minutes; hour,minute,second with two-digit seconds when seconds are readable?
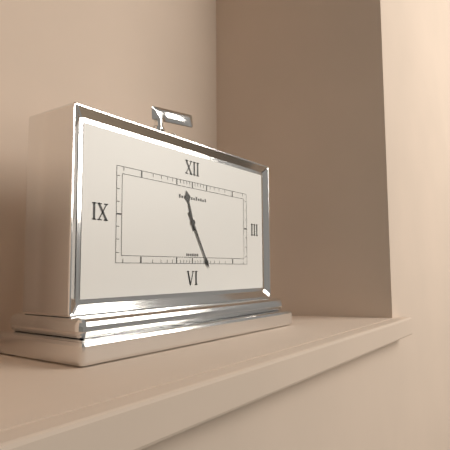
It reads 11,25
